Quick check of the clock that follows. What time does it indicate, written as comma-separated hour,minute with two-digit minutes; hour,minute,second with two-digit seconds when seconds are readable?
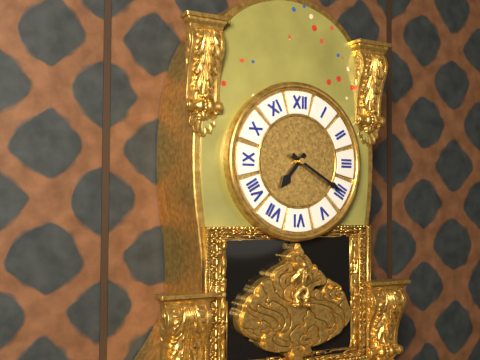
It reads 7,20
